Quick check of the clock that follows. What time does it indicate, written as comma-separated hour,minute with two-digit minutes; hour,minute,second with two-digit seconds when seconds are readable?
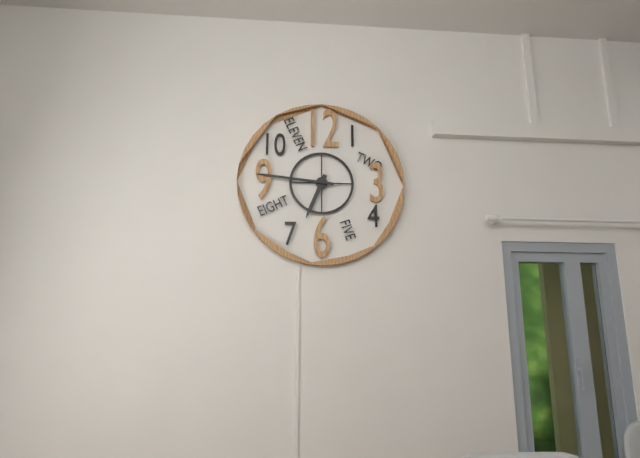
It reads 6,46
